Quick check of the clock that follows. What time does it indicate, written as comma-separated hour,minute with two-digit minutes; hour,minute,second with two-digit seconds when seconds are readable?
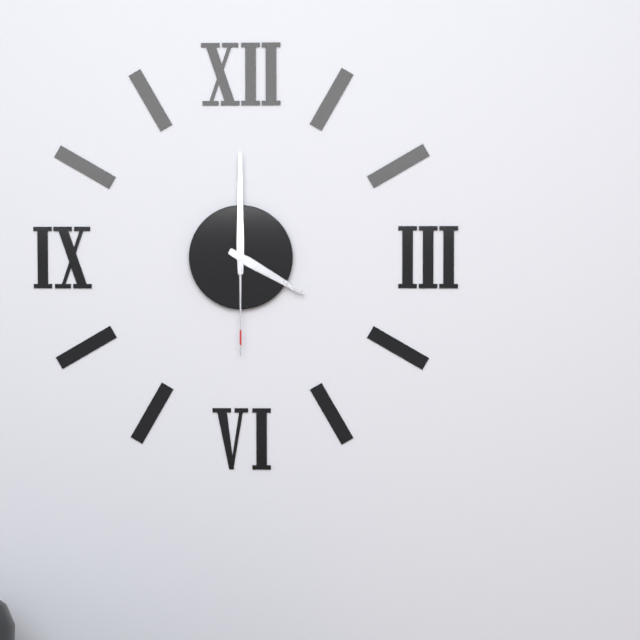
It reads 4,00,30
